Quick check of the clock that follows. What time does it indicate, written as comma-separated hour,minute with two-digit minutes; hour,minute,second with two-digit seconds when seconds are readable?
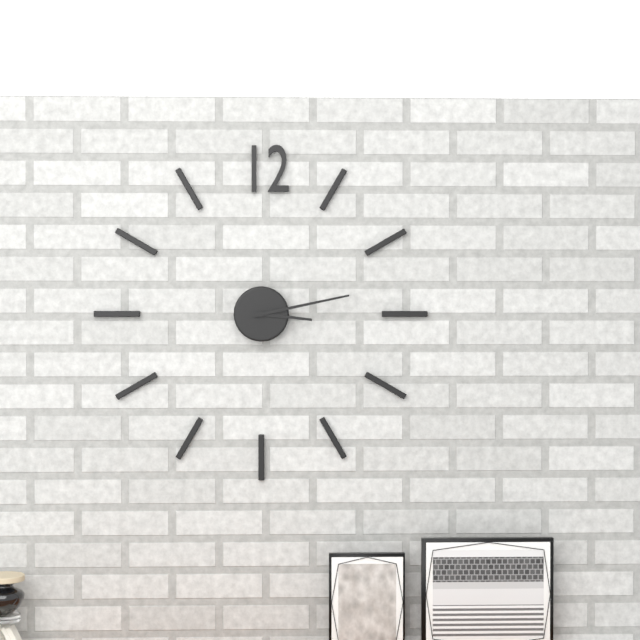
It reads 3,13
